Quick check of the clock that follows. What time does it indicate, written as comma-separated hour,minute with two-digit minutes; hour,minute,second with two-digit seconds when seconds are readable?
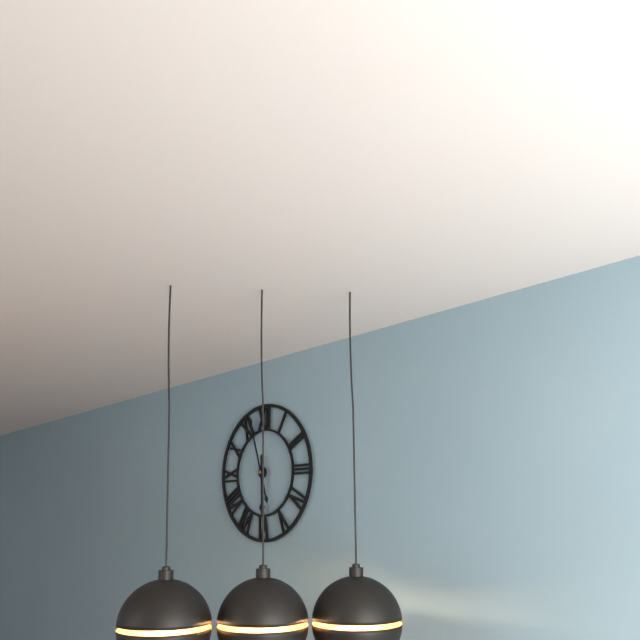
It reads 5,57
